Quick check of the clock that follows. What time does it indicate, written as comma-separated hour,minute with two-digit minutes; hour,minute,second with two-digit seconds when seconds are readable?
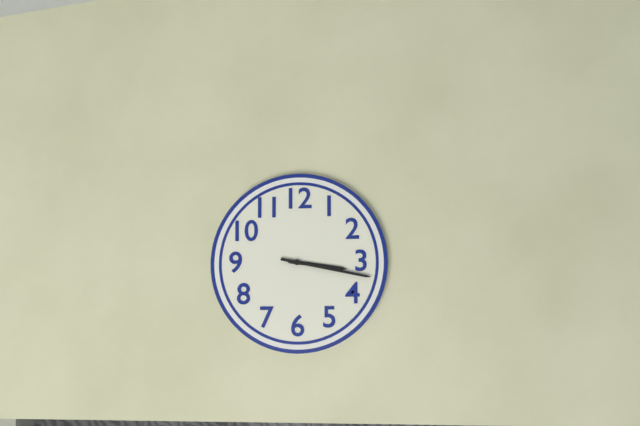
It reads 3,17
